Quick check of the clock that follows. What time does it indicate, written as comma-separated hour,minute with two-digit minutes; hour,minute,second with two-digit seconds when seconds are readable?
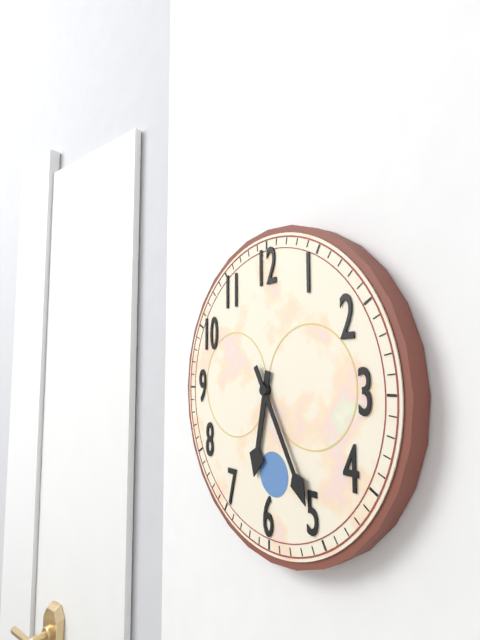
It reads 6,25
